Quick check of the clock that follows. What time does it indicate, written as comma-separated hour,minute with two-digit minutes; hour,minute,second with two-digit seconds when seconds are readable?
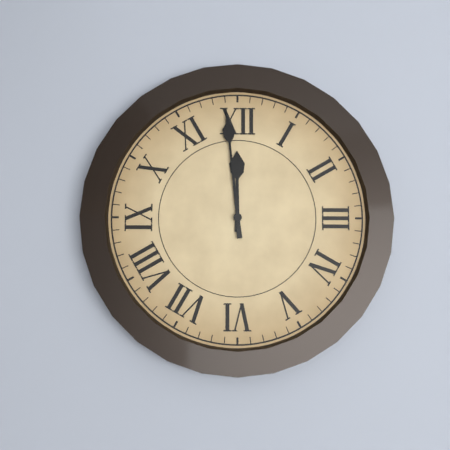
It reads 11,59
